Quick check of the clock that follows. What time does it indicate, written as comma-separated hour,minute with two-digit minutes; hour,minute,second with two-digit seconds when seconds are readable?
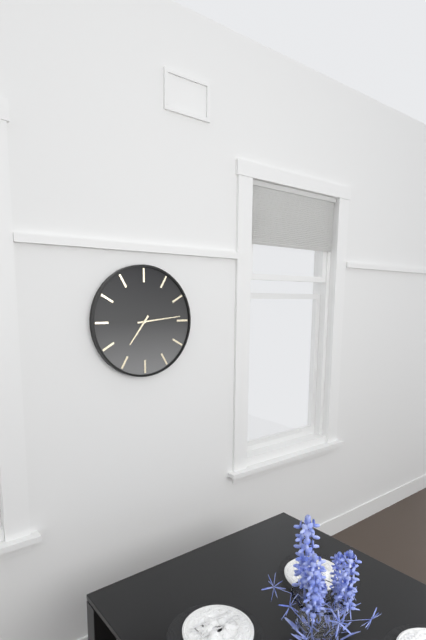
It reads 7,14
